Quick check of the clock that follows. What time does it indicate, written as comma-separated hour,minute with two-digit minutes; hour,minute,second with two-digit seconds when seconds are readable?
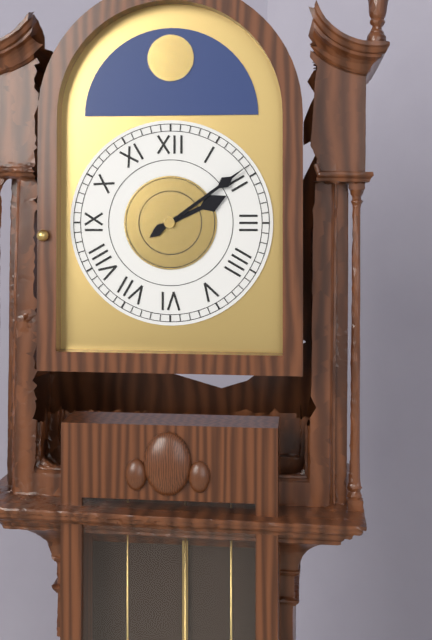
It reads 2,09
